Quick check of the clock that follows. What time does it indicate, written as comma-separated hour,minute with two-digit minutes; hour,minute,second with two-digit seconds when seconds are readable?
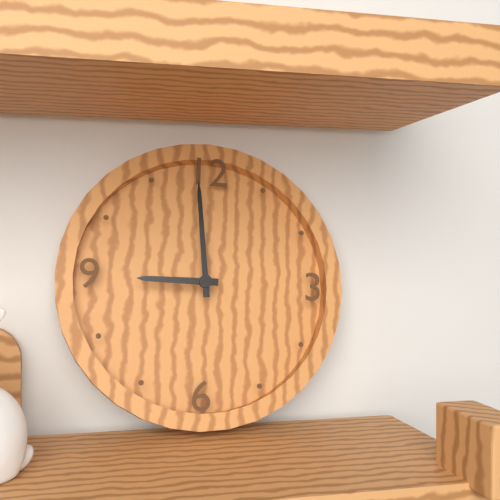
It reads 8,59
